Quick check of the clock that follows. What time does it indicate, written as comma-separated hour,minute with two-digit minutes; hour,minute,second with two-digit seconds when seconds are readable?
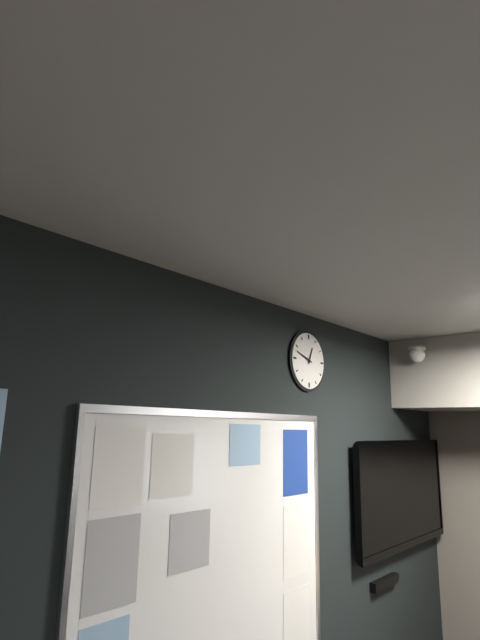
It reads 12,48
